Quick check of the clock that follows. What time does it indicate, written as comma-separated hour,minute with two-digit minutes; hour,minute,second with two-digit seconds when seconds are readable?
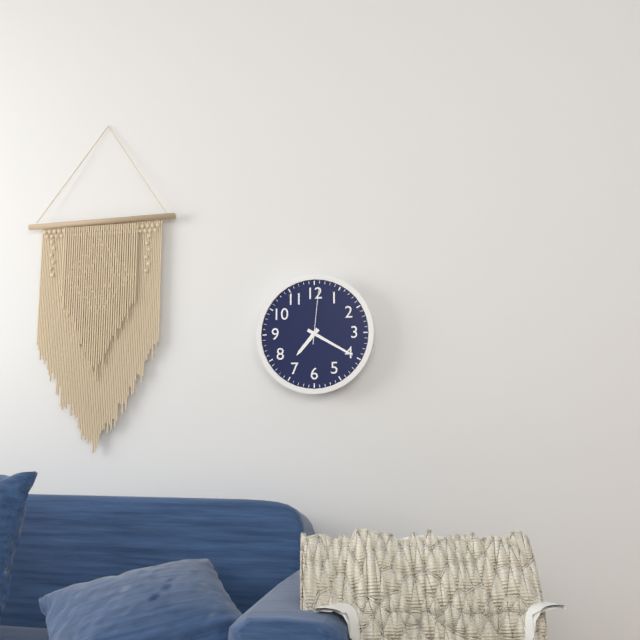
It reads 7,20,01
